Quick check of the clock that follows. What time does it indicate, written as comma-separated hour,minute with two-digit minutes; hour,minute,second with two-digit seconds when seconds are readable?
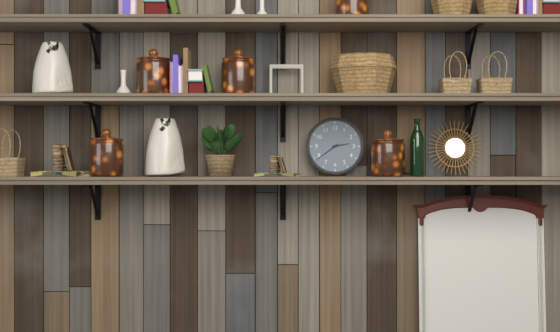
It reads 2,39
